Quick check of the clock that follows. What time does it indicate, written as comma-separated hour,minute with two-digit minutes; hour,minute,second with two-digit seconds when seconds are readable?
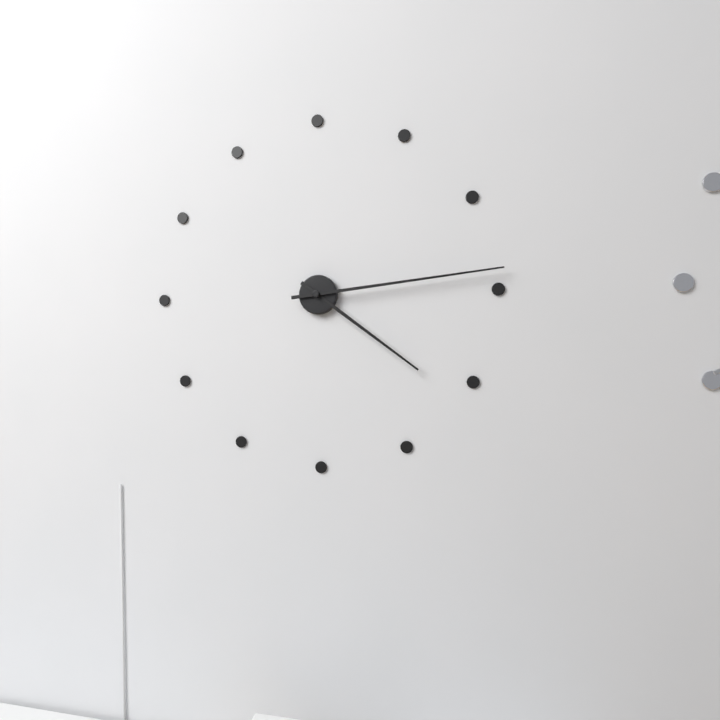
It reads 4,14
